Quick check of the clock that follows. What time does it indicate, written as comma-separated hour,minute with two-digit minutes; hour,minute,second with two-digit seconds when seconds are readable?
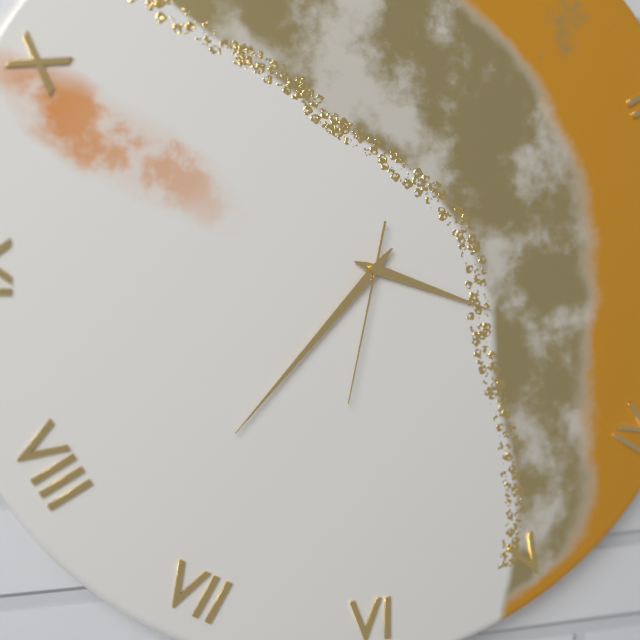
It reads 3,37,32
